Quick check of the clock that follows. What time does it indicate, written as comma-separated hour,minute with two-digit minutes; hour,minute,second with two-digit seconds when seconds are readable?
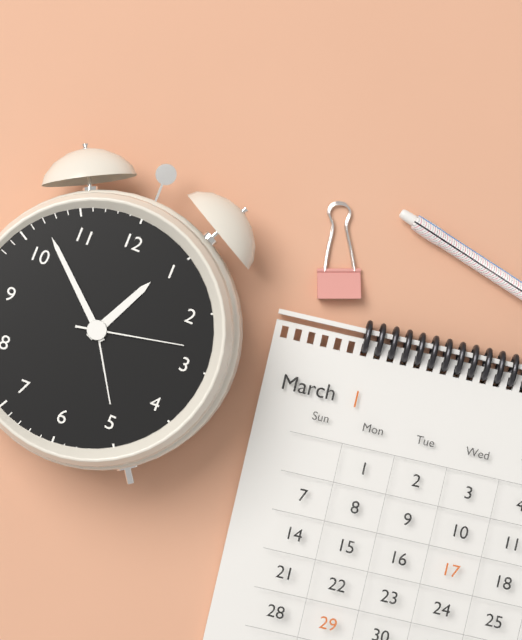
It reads 12,52,13
